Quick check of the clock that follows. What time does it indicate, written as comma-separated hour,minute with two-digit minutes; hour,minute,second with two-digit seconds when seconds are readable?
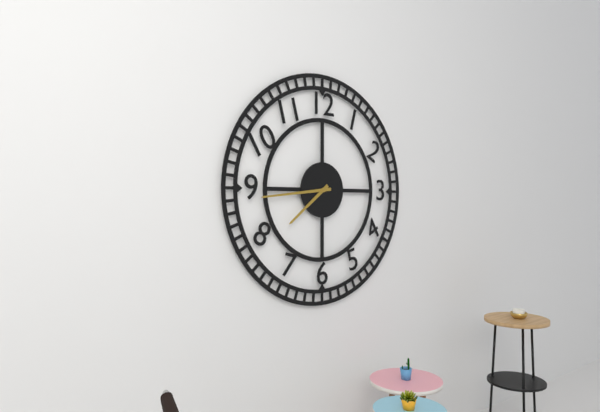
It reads 7,44
